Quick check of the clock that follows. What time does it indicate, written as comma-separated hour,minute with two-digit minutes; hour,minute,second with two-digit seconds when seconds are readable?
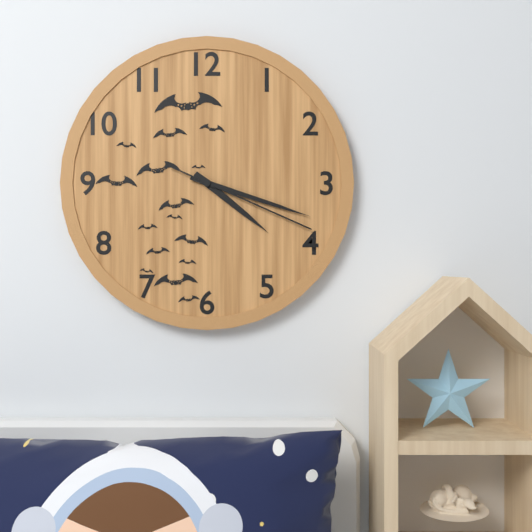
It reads 4,18,19
